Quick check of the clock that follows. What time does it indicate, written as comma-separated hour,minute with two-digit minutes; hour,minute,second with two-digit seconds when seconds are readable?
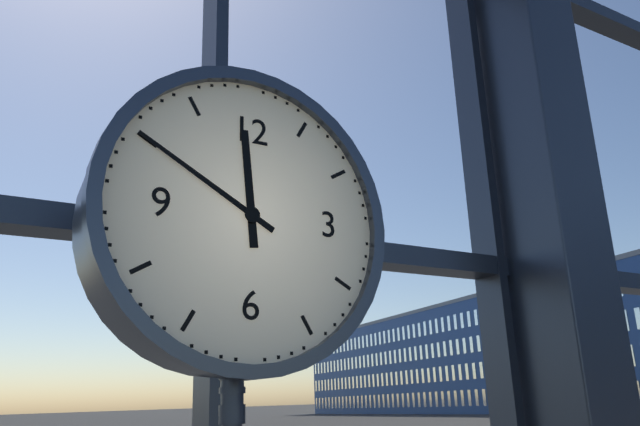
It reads 11,50
